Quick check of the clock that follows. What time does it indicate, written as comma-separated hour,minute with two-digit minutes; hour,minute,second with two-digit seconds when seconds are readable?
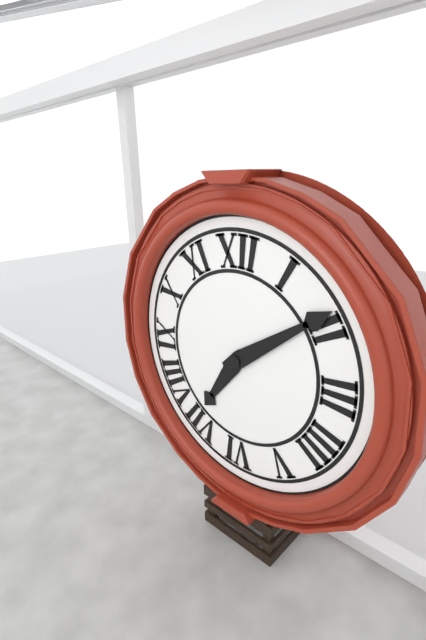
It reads 7,09
